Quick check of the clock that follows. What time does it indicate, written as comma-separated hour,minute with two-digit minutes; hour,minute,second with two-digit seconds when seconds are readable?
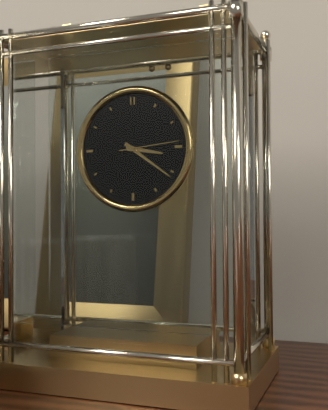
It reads 3,21,14
